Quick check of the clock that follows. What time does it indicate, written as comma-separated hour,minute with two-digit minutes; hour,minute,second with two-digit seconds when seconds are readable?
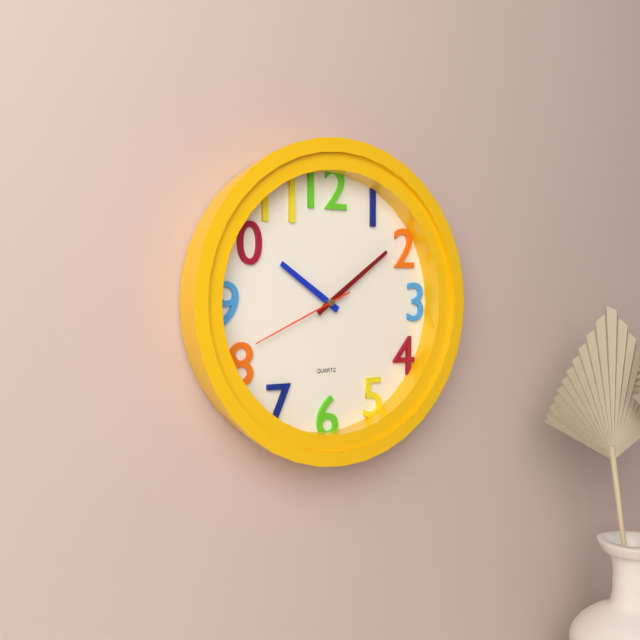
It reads 10,09,41
